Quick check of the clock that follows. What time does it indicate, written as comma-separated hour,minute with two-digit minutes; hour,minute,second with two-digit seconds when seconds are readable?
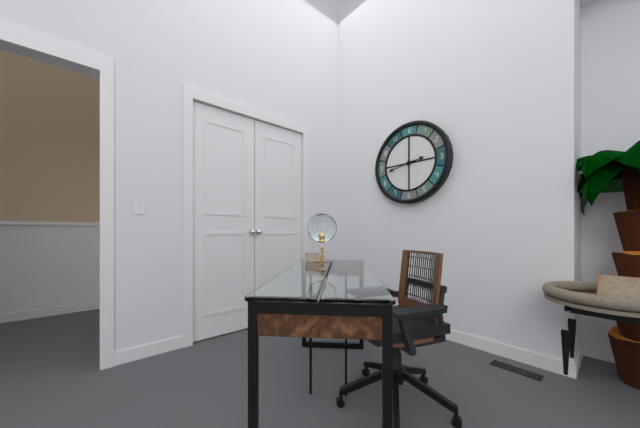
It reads 2,43
